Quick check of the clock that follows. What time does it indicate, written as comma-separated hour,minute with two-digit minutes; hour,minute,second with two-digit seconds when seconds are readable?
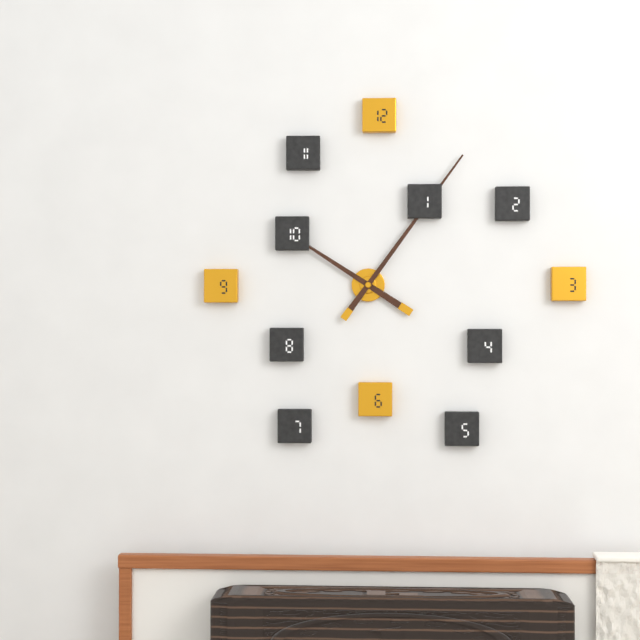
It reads 10,06
